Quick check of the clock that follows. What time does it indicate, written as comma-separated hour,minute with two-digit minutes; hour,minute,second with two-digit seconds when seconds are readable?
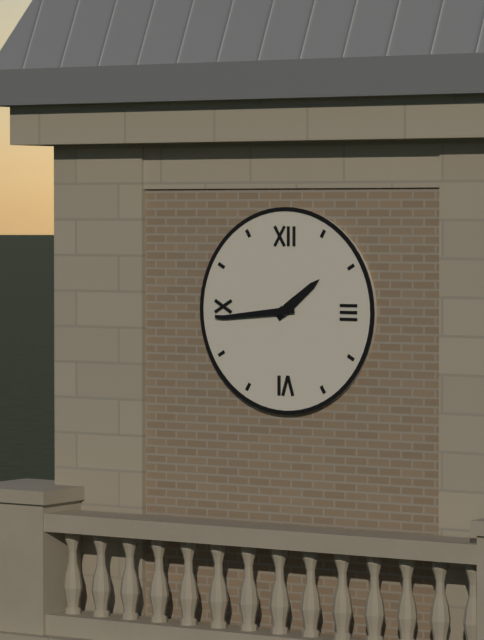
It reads 1,44
